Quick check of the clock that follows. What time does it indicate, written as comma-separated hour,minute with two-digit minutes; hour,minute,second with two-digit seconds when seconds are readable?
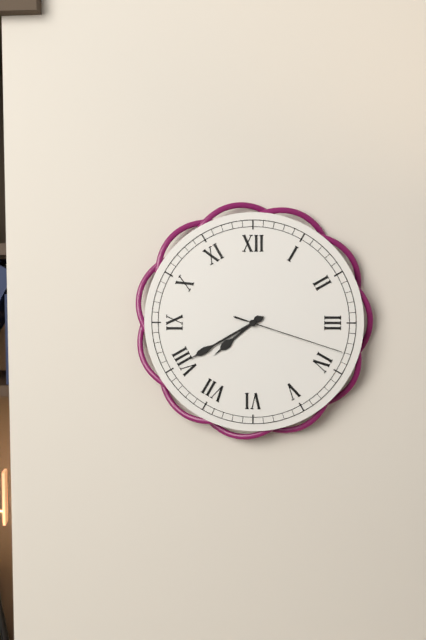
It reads 7,40,18
